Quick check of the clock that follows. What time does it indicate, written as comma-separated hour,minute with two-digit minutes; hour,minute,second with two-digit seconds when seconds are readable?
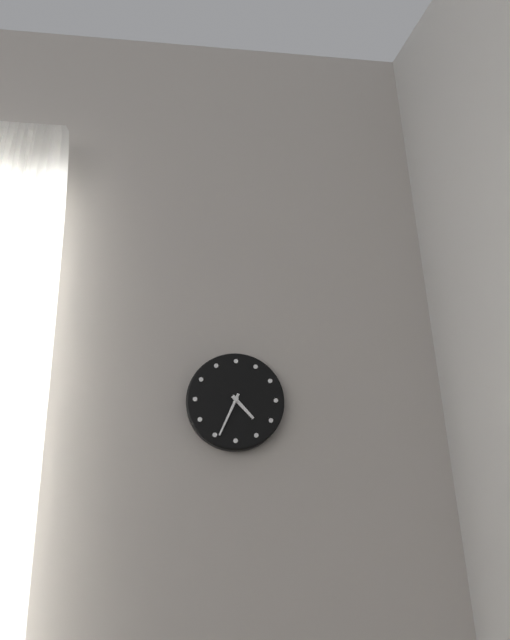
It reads 4,34
